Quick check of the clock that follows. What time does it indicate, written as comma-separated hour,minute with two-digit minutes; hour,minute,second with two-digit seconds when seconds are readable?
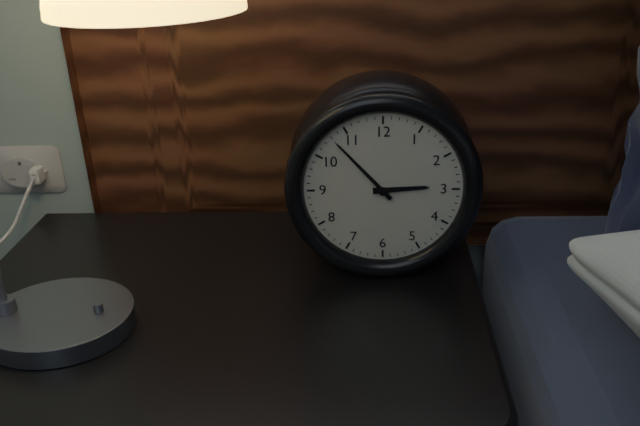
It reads 2,53
